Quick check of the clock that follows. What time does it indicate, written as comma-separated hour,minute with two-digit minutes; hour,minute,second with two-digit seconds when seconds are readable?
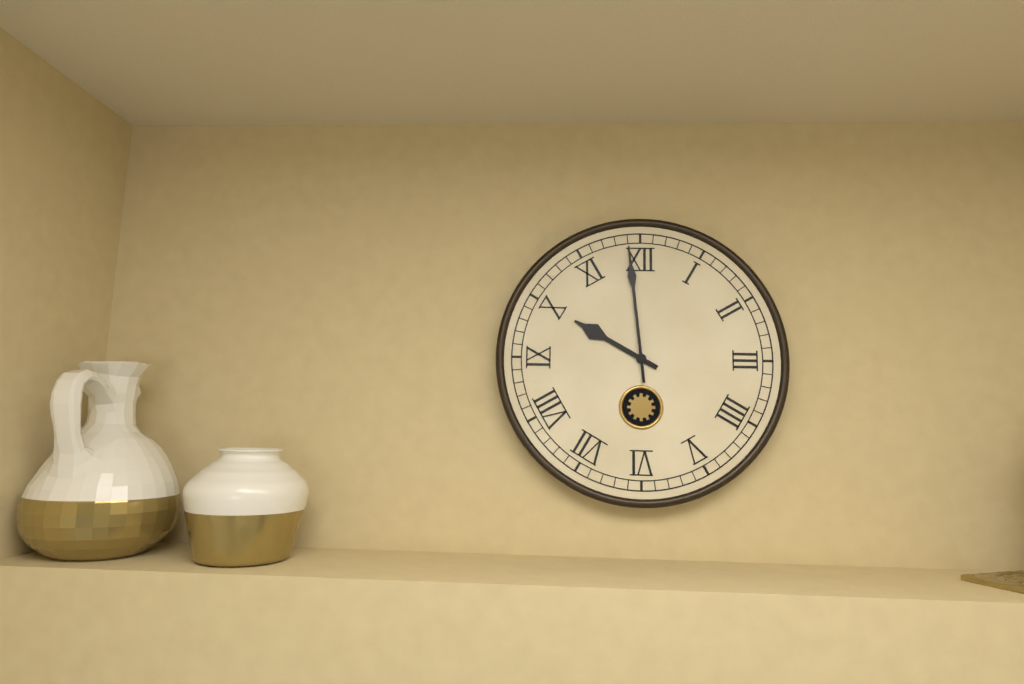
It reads 9,59
